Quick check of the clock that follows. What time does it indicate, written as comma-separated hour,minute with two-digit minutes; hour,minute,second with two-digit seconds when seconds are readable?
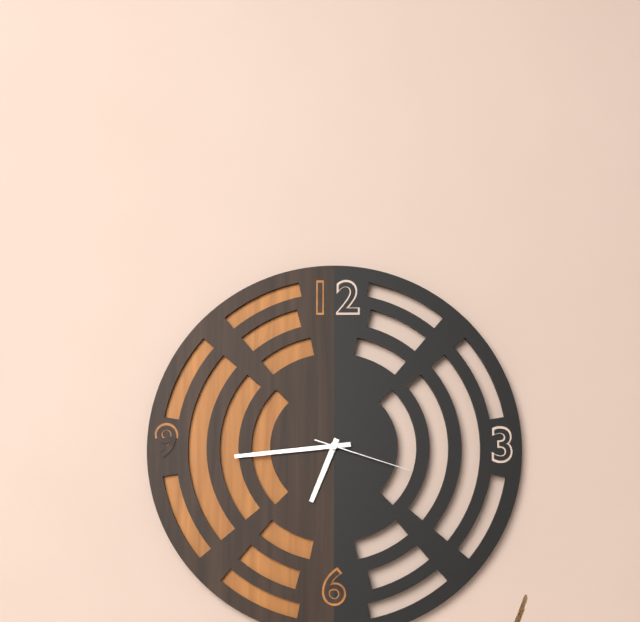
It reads 6,44,18
